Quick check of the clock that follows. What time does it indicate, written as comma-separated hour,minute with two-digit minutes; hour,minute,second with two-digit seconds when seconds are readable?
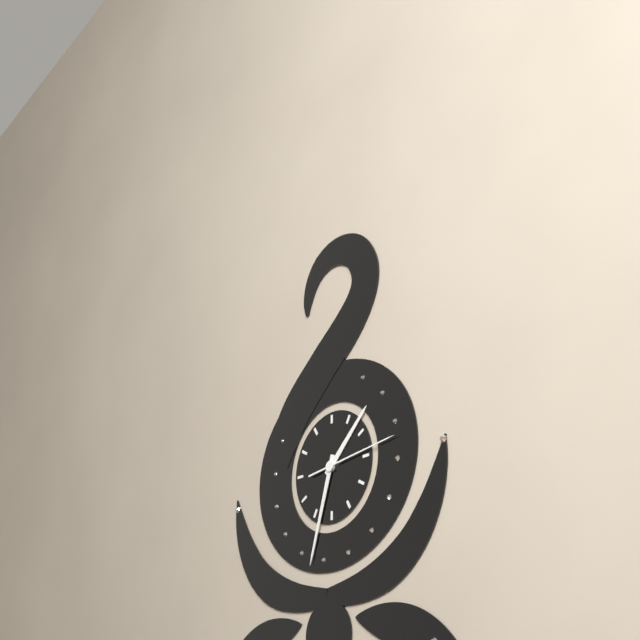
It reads 1,33,14
